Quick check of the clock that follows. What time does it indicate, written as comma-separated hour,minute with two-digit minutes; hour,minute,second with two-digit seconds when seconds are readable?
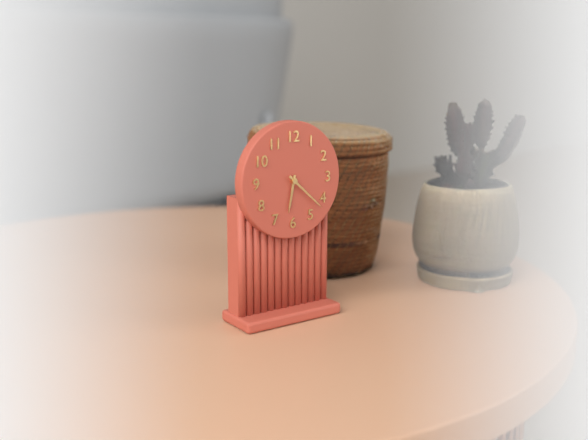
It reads 6,22
